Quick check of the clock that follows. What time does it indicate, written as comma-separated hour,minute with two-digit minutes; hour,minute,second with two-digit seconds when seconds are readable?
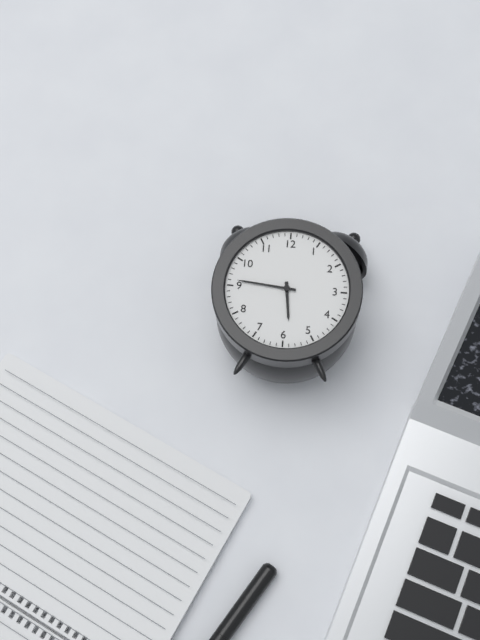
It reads 5,46
